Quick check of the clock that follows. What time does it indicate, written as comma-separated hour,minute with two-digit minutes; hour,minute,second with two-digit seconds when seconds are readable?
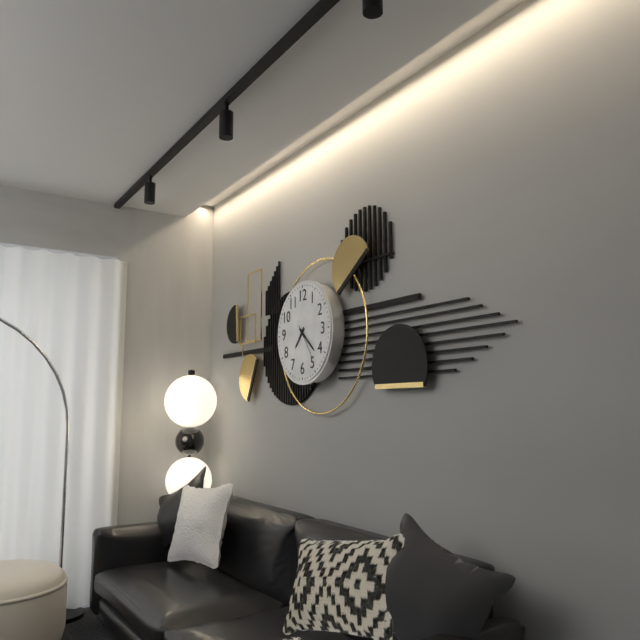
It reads 7,22
